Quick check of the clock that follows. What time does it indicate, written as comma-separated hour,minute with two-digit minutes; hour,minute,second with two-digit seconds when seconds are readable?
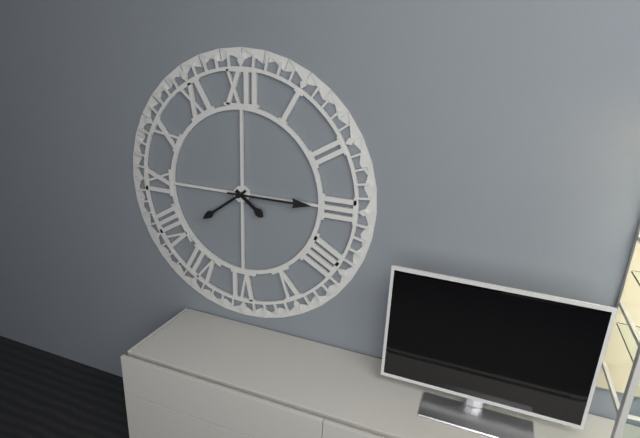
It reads 4,15,39
